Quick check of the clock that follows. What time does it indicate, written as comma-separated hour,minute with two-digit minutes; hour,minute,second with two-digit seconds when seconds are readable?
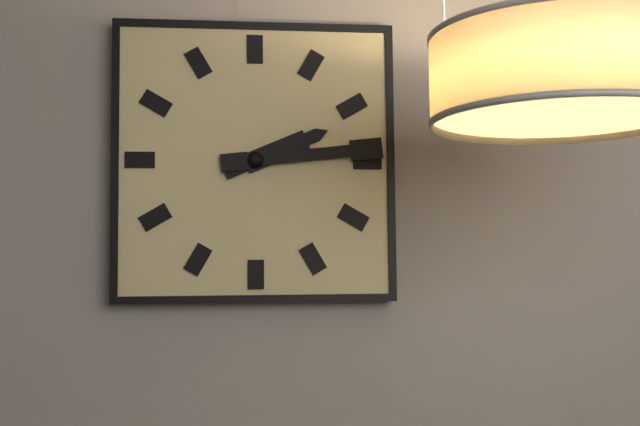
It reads 2,14
